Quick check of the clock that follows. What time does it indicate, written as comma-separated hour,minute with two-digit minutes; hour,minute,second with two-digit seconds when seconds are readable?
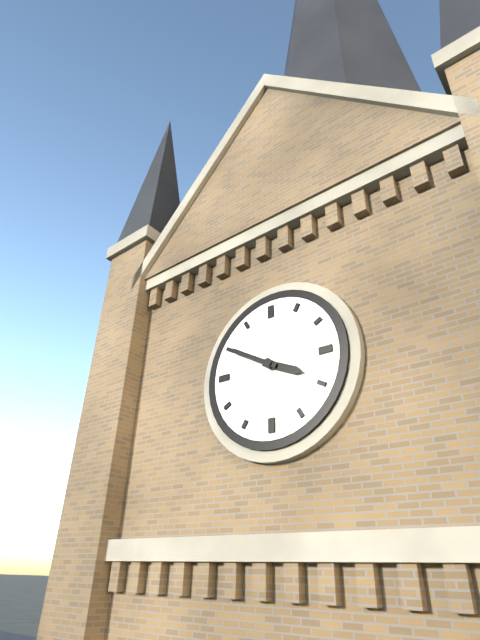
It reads 3,50
